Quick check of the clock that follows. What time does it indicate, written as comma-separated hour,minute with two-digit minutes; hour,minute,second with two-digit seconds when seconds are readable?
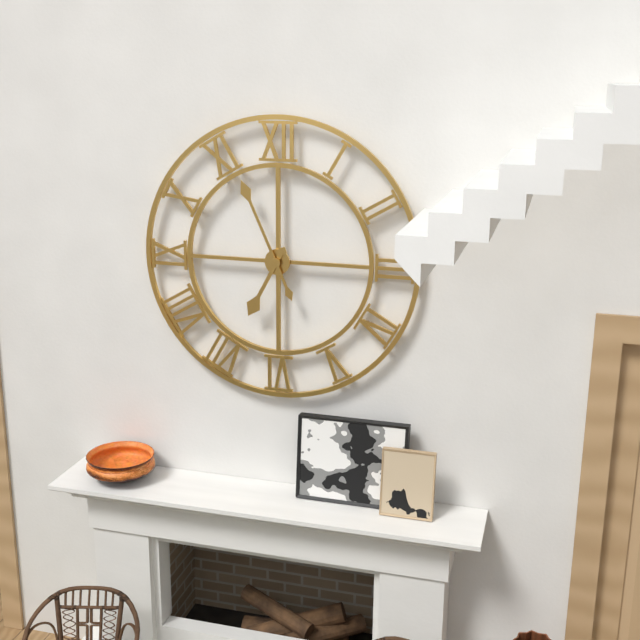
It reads 6,56
